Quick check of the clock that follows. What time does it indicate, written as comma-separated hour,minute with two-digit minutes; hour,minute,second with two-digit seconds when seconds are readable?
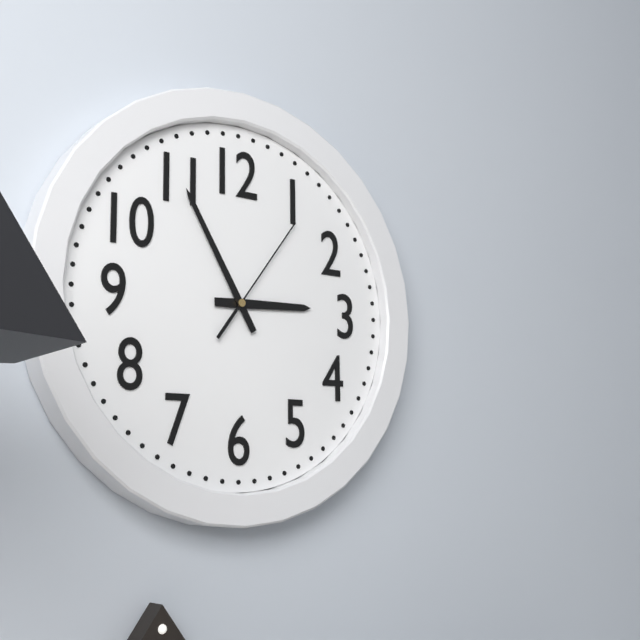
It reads 2,55,06
